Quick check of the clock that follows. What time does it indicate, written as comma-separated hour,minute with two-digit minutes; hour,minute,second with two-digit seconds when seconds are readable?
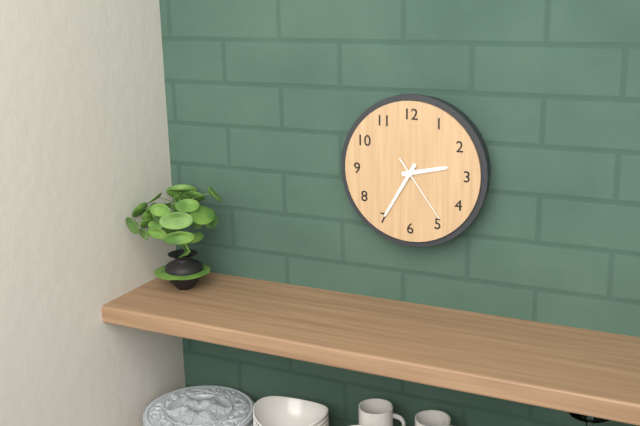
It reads 2,35,24
